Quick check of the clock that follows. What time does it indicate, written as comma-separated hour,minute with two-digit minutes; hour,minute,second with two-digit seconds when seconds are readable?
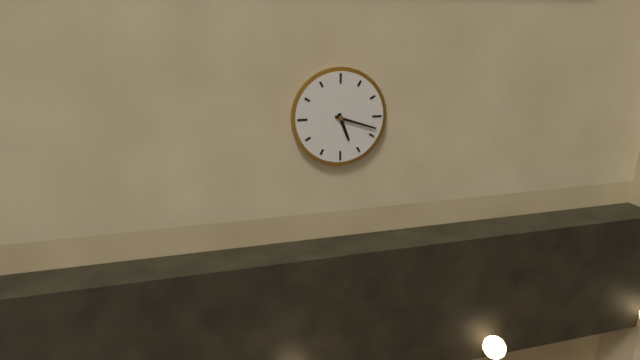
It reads 5,18
